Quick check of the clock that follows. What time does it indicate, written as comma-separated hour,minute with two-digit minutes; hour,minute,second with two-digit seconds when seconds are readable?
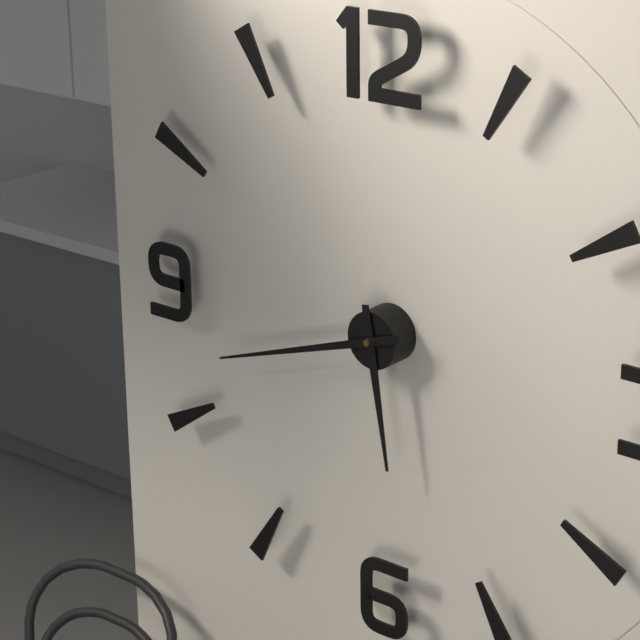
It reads 5,42
